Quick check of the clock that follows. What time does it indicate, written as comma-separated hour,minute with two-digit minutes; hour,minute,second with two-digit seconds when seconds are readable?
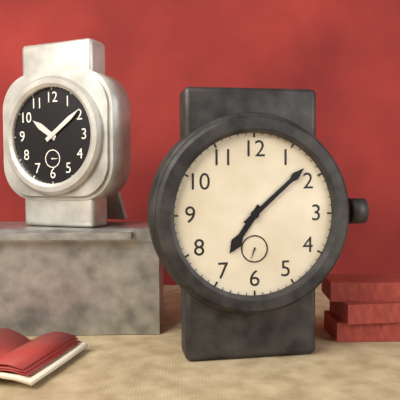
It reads 7,08
